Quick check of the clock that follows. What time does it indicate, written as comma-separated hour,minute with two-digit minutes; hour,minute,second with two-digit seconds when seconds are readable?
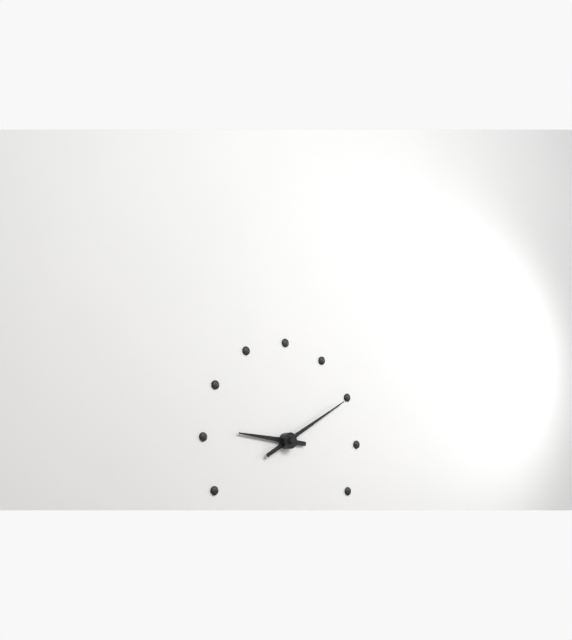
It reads 9,10
